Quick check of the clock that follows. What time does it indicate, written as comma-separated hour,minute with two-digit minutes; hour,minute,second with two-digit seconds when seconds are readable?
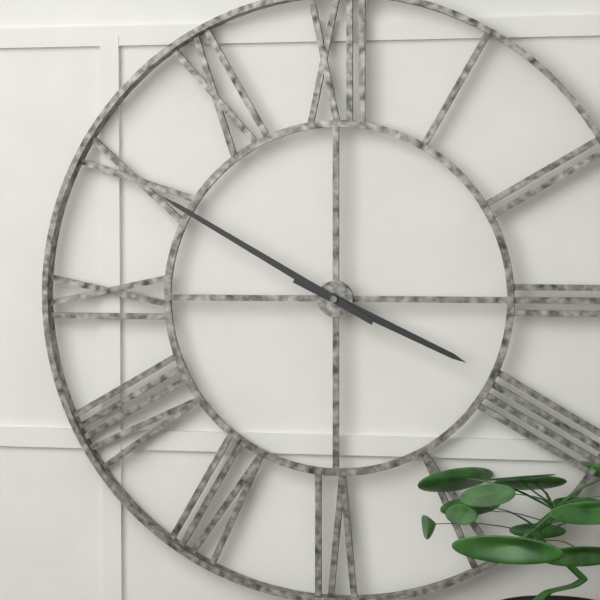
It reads 3,50
